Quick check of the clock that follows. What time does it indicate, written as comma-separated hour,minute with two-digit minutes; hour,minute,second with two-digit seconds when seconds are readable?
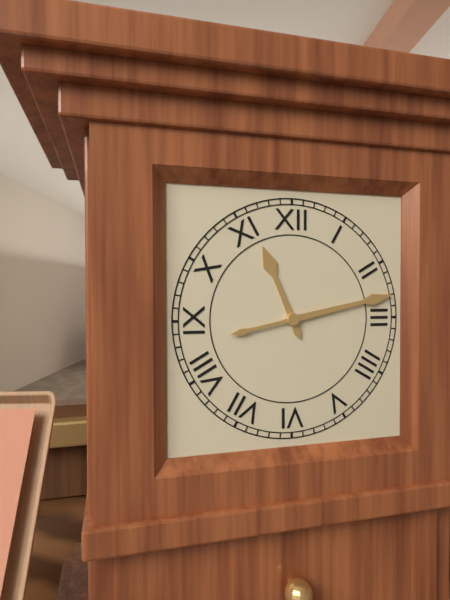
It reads 11,13
